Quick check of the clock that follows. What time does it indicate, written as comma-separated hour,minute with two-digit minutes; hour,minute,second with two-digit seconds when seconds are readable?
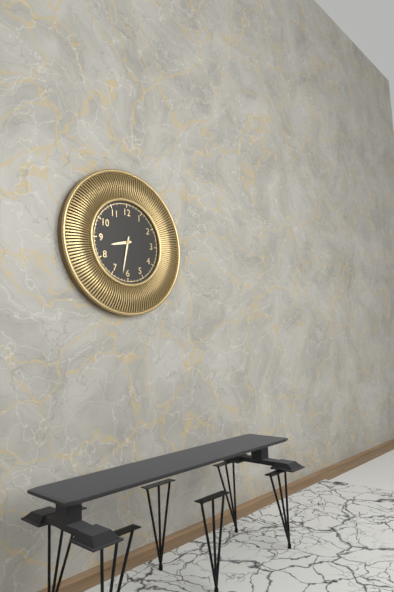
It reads 8,32
